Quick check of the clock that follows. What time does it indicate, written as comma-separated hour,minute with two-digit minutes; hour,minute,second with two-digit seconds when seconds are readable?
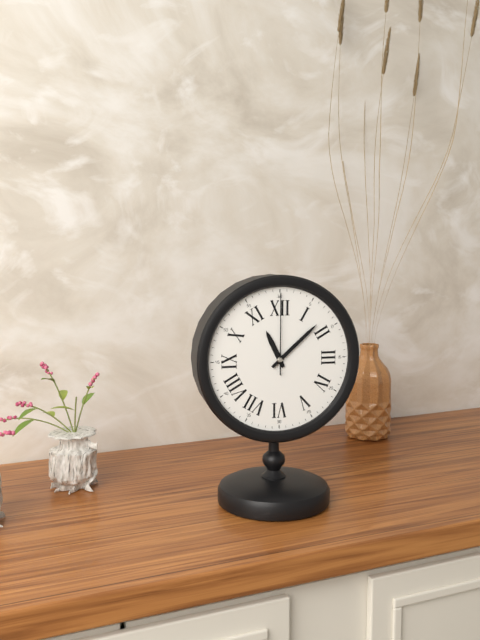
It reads 11,08,00
